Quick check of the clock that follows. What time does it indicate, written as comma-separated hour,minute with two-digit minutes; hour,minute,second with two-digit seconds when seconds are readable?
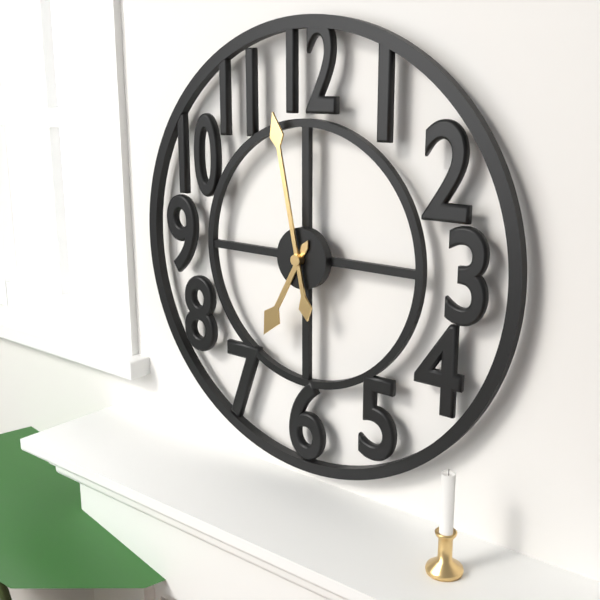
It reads 6,58
